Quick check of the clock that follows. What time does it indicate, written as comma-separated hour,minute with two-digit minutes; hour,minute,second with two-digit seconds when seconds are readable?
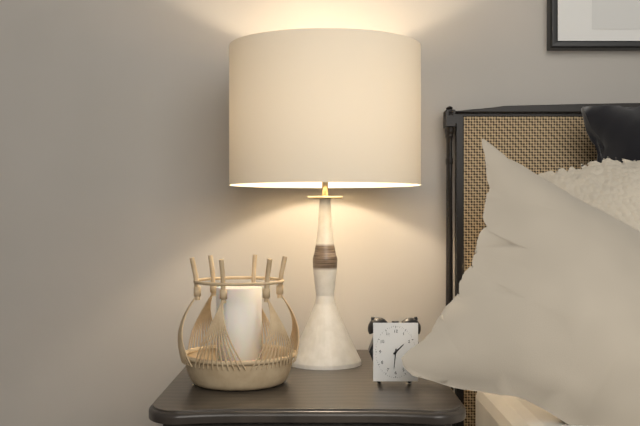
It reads 1,31
